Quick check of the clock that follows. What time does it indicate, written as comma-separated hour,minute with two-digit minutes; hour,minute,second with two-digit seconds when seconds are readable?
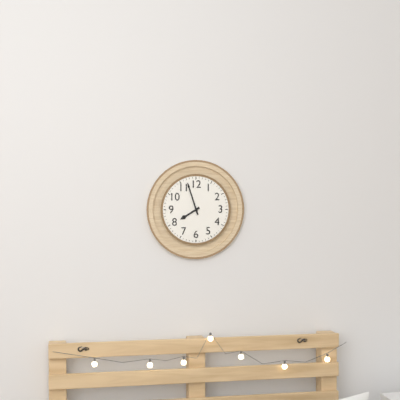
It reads 7,57
